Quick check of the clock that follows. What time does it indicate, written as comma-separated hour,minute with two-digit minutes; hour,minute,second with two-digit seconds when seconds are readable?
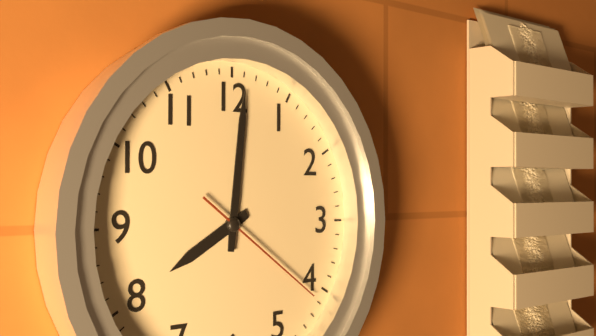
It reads 8,01,21
